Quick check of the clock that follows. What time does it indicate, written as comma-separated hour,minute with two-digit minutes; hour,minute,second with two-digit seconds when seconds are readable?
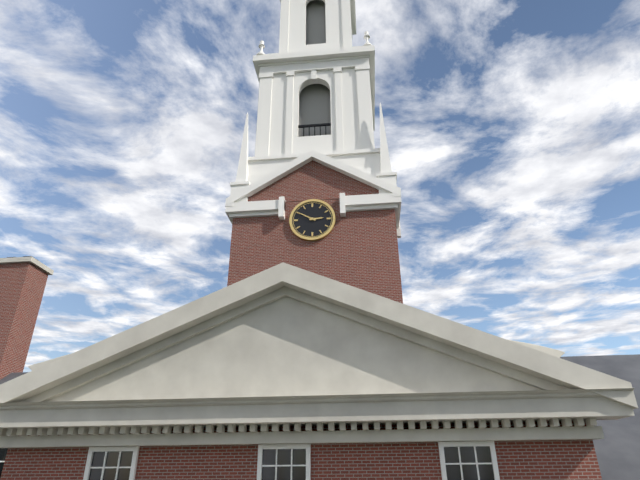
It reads 2,50
